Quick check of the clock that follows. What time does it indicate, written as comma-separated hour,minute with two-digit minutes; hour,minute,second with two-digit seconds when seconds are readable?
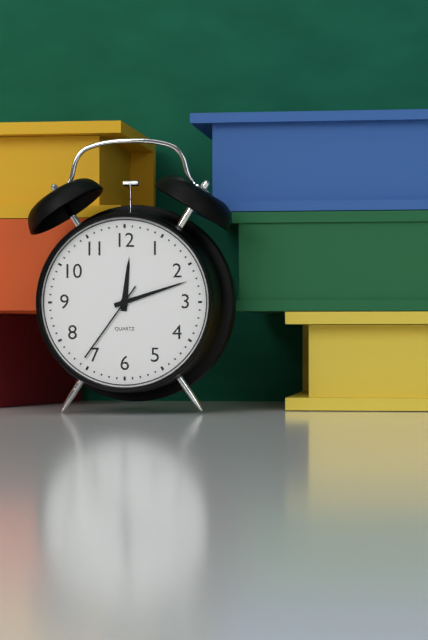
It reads 12,12,36
